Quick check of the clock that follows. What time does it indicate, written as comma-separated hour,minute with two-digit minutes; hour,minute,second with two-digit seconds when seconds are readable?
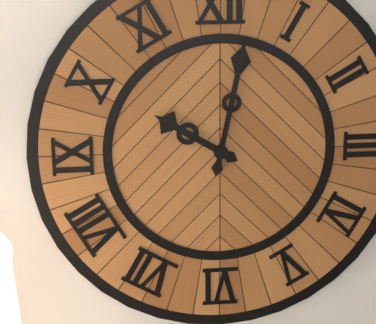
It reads 10,02
